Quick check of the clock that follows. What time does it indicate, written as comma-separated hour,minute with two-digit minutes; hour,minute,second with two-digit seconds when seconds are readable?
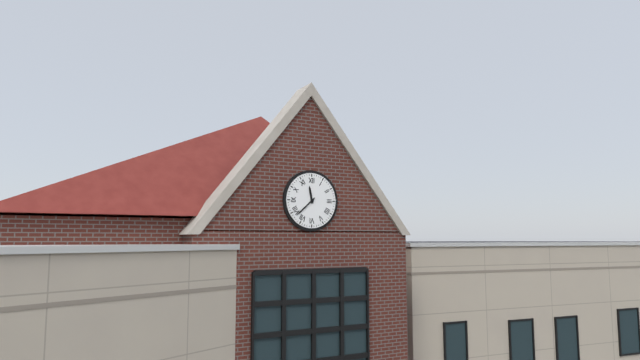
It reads 11,38
